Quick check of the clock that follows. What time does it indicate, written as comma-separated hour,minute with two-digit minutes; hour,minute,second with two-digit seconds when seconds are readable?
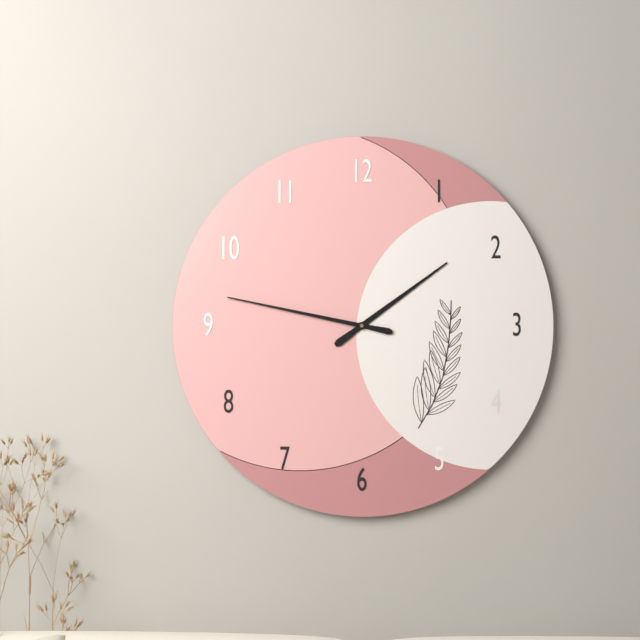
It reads 1,47
